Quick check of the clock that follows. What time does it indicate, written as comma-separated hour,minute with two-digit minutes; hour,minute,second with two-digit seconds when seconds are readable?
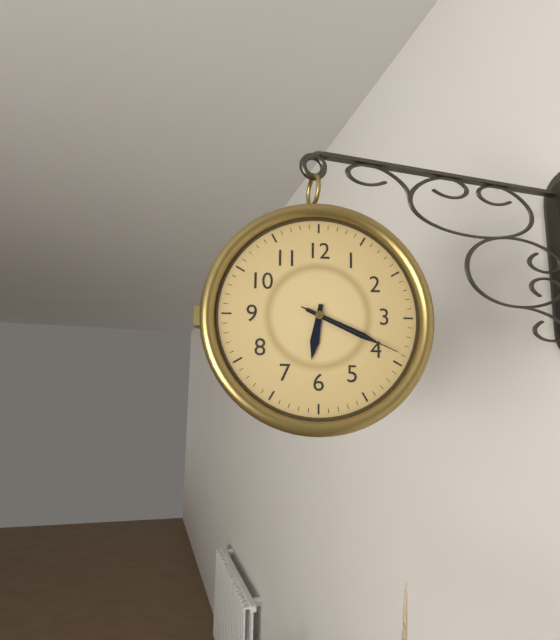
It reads 6,19,19
